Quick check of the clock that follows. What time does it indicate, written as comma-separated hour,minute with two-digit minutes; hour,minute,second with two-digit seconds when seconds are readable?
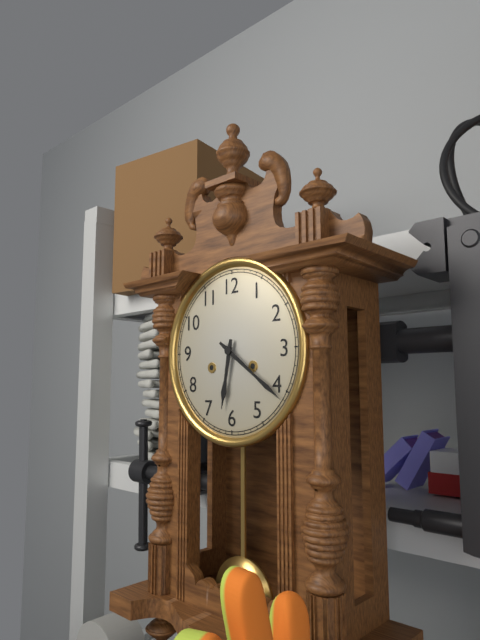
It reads 6,21
